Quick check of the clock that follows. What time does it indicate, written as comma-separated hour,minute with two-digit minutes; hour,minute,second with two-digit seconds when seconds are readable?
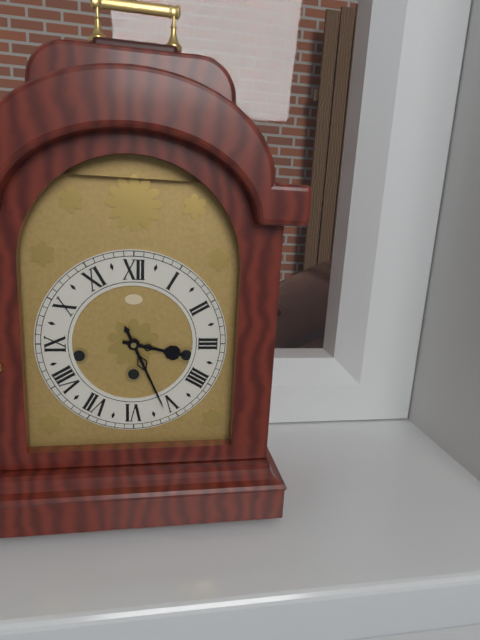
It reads 3,26
